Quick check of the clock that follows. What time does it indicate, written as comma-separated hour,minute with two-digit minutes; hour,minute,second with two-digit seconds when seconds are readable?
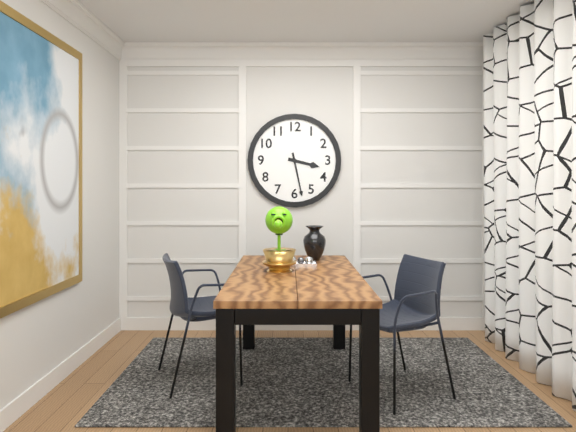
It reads 3,28
